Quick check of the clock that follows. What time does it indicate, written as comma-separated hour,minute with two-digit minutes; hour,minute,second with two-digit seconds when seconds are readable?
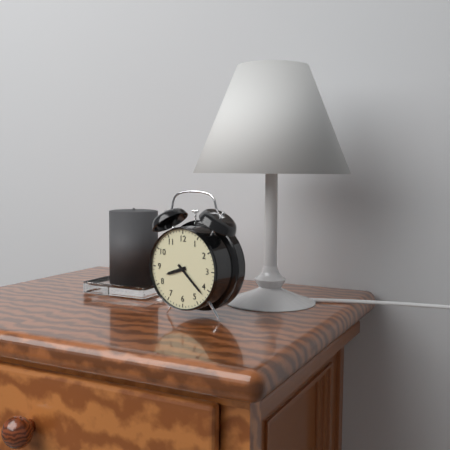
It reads 8,22
